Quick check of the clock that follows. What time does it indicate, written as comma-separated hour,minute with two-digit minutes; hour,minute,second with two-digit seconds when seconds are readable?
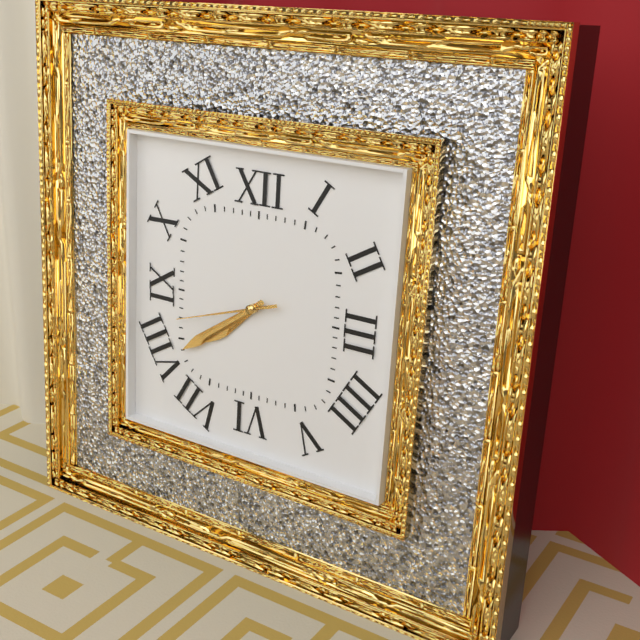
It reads 7,39,42
